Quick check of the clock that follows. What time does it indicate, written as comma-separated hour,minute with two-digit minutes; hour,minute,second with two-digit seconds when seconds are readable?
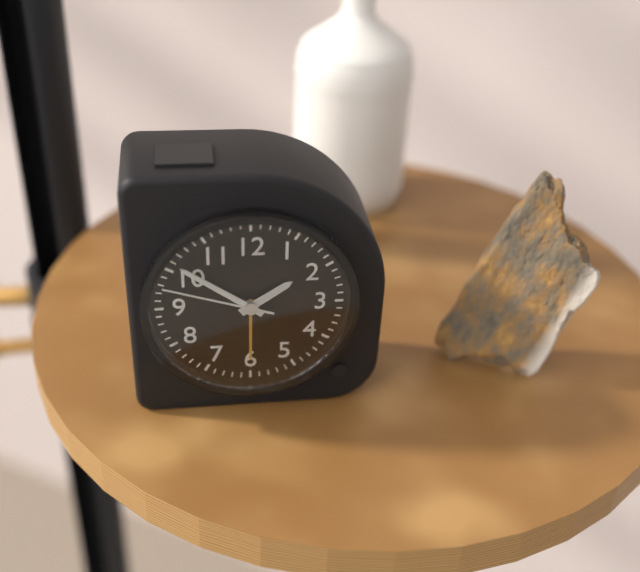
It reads 1,51,48
